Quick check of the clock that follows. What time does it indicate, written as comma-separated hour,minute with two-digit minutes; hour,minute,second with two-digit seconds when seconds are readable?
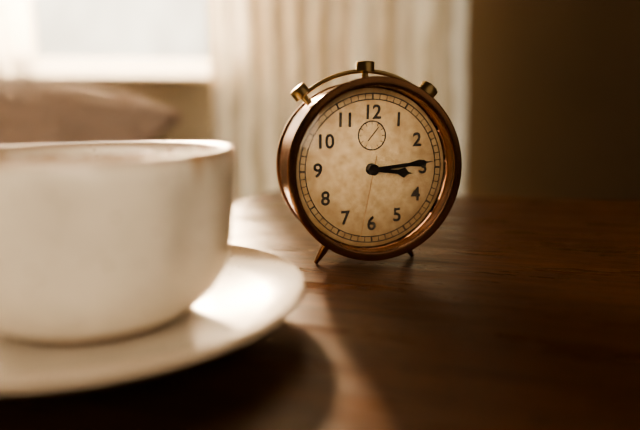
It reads 3,14,32
